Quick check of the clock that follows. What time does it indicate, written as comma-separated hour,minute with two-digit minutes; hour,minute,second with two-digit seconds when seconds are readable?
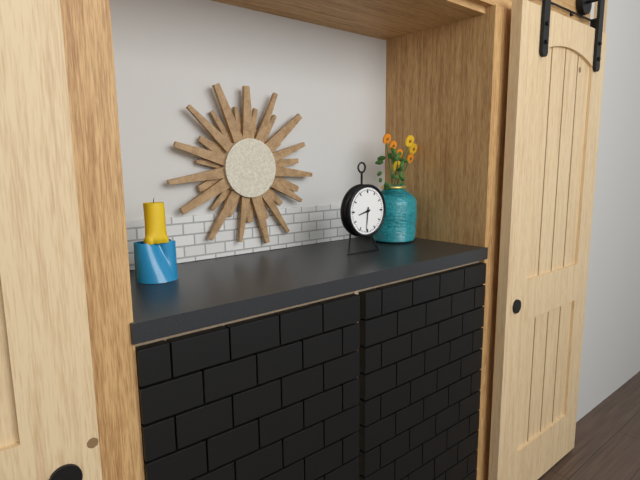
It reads 8,31
